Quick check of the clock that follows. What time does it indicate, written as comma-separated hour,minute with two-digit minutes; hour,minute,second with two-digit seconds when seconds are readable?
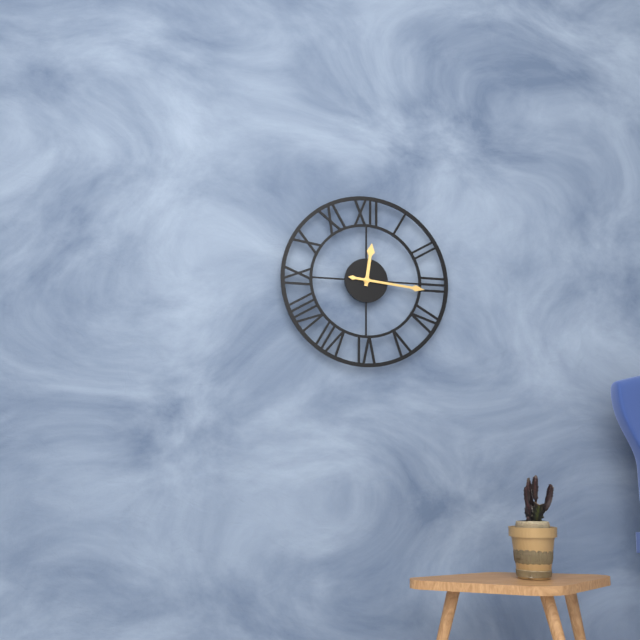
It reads 12,16
